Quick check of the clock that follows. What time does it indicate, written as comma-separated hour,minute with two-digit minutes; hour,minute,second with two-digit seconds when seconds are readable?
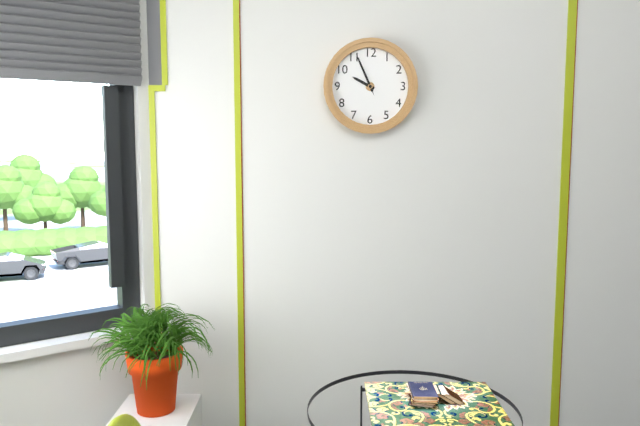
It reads 9,56
